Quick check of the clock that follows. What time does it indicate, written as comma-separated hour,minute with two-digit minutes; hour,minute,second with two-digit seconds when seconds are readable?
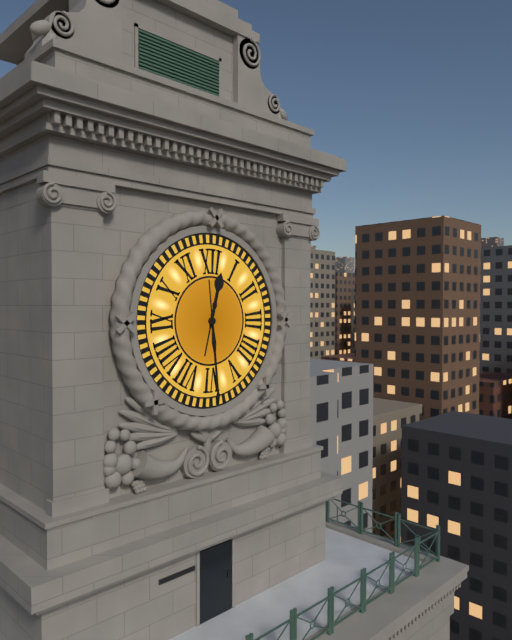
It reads 12,29
